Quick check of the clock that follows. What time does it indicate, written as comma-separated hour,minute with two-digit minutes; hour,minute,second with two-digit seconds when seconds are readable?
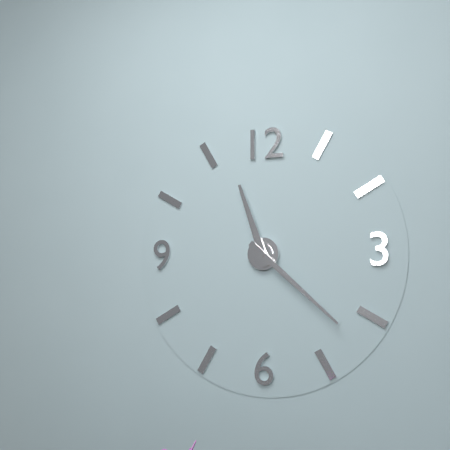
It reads 11,22
